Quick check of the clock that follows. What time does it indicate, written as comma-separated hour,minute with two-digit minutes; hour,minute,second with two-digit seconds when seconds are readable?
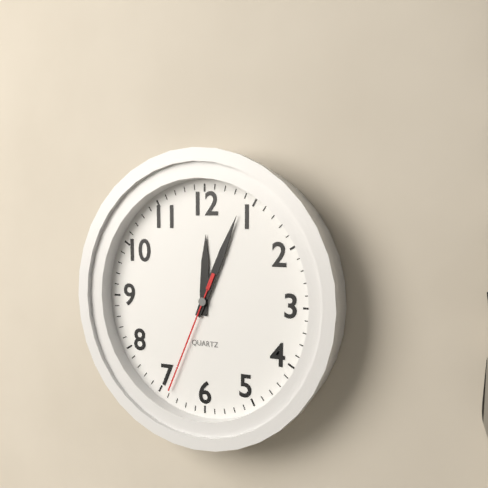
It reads 12,04,34
